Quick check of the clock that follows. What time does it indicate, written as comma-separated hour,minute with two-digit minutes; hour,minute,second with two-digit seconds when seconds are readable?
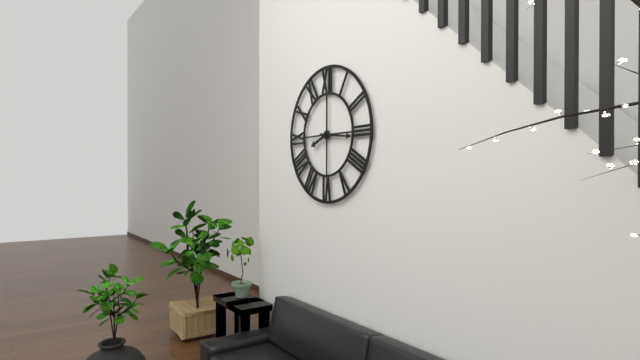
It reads 8,16
